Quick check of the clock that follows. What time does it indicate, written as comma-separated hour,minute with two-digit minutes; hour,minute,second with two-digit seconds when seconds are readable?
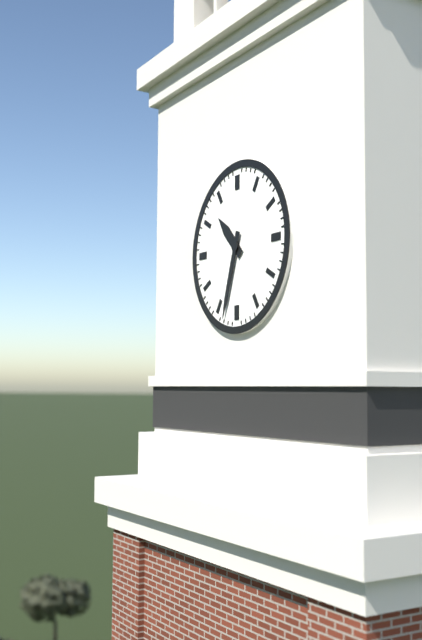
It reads 10,33
